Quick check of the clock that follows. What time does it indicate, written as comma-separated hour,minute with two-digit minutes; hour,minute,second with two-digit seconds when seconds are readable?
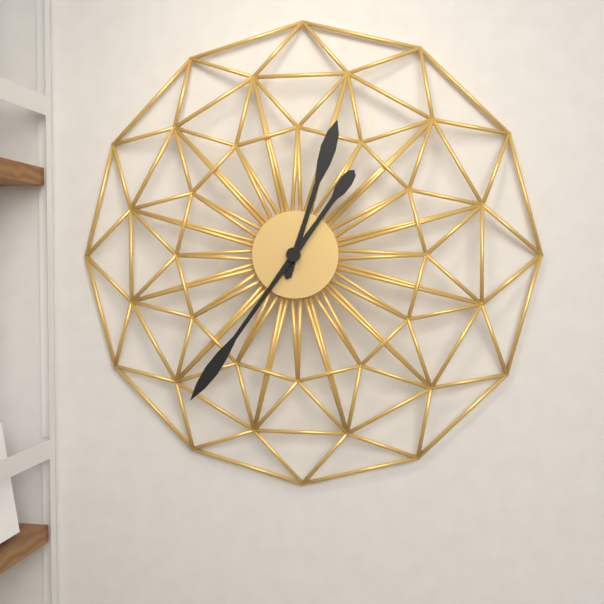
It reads 12,36
